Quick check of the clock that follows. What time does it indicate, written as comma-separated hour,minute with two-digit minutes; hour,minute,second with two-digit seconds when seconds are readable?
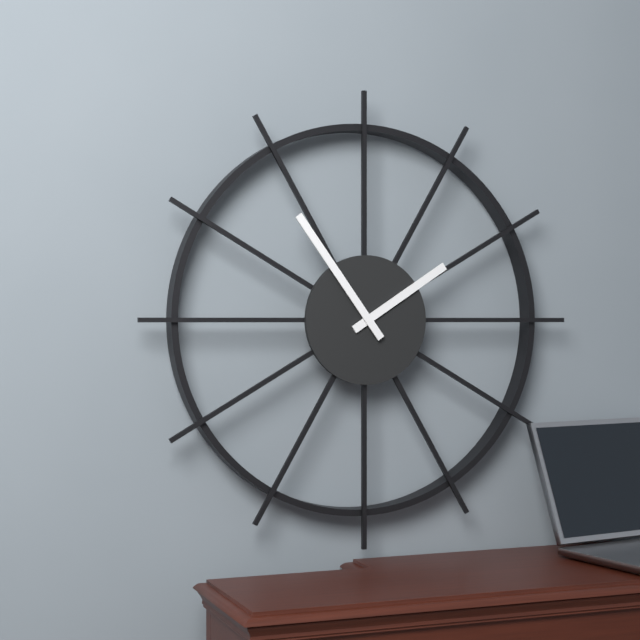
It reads 1,54
